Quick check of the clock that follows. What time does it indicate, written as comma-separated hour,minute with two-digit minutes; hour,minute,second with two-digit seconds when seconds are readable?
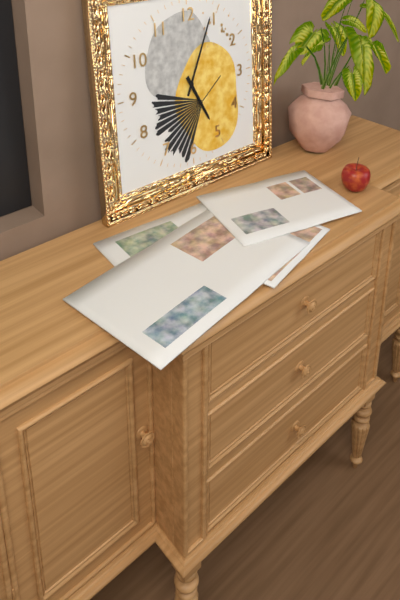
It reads 5,04
